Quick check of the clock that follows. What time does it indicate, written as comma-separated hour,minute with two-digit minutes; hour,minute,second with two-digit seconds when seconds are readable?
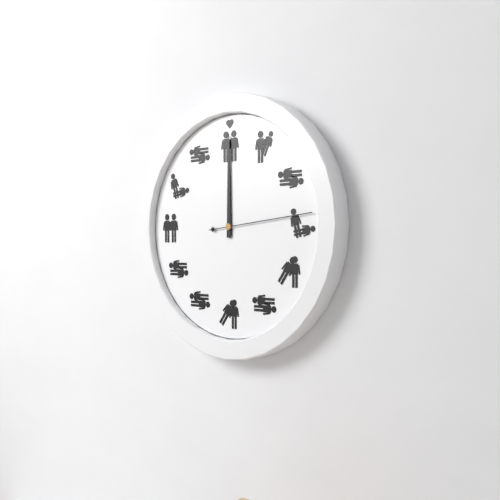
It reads 12,00,14
